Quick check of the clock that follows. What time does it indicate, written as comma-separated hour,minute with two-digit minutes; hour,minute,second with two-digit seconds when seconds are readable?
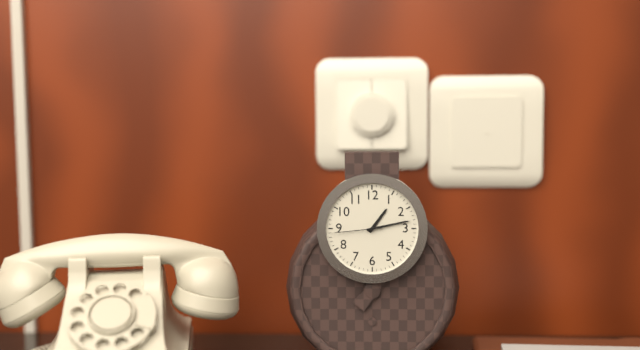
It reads 1,13,44
